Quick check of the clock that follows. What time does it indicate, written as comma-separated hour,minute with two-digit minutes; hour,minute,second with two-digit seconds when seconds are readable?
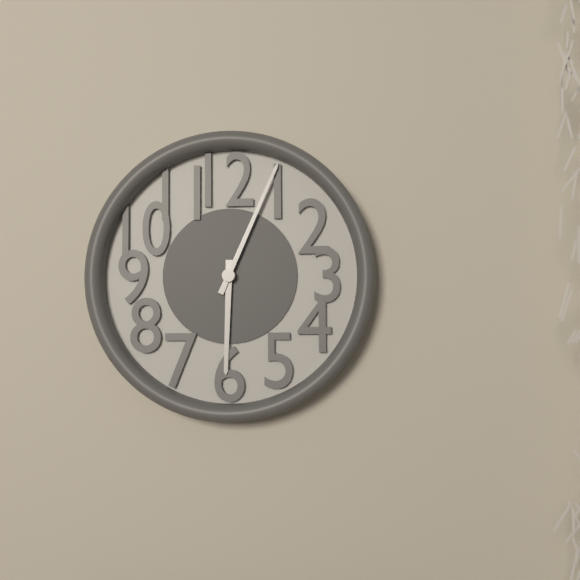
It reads 6,04
